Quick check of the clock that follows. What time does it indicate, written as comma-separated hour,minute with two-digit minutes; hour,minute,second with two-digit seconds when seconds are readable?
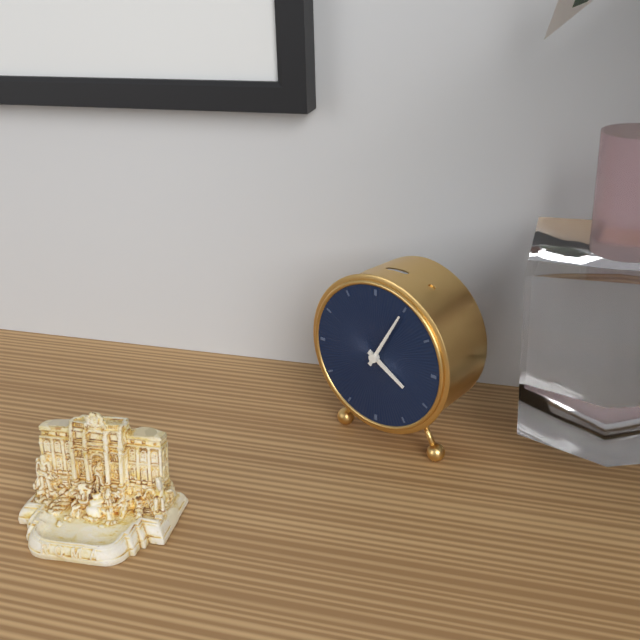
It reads 4,05
